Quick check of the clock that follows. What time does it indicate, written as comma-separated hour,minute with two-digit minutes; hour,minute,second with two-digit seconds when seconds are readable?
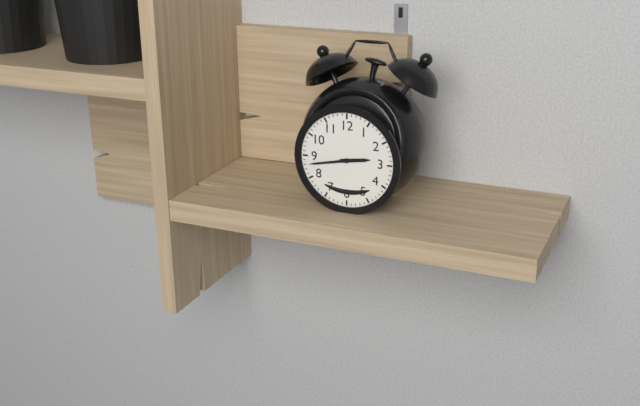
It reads 2,43
